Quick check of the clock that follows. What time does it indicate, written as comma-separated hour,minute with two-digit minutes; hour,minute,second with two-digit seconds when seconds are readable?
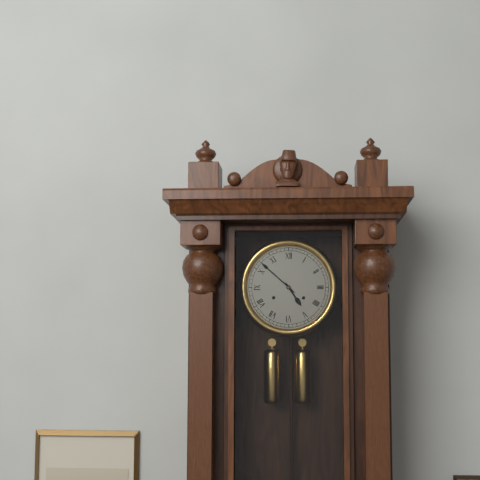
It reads 4,52
